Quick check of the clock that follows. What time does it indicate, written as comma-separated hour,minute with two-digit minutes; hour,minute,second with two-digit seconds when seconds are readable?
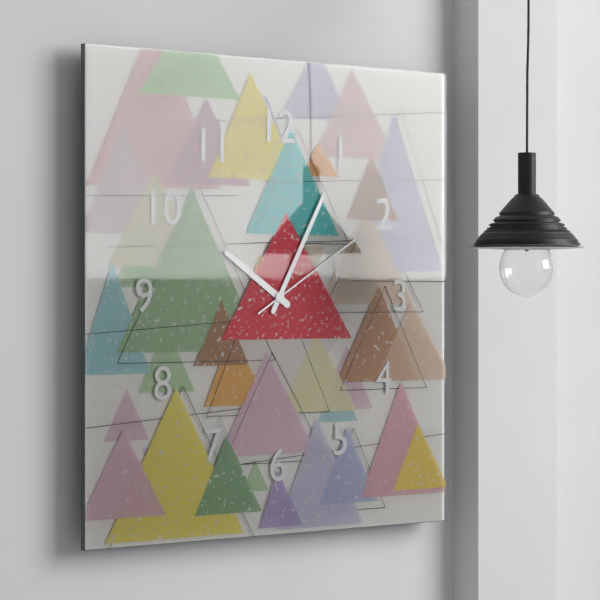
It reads 10,05,10
